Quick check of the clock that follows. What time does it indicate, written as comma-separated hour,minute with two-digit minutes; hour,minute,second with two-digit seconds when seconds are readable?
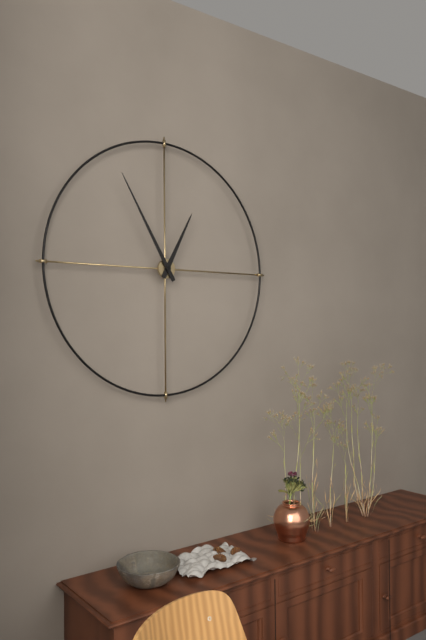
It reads 12,55
